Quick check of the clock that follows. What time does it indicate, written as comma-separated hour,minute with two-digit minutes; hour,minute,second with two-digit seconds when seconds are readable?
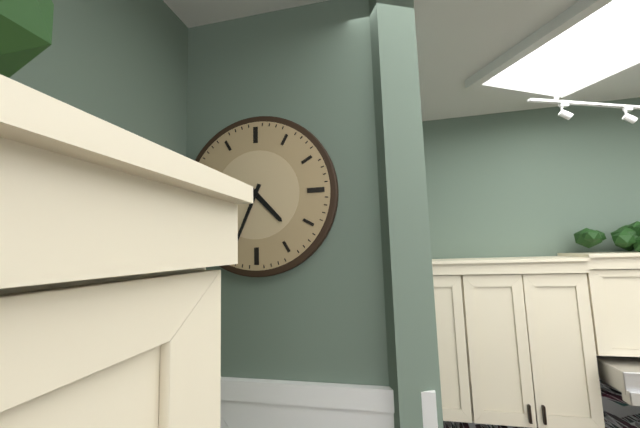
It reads 4,34
